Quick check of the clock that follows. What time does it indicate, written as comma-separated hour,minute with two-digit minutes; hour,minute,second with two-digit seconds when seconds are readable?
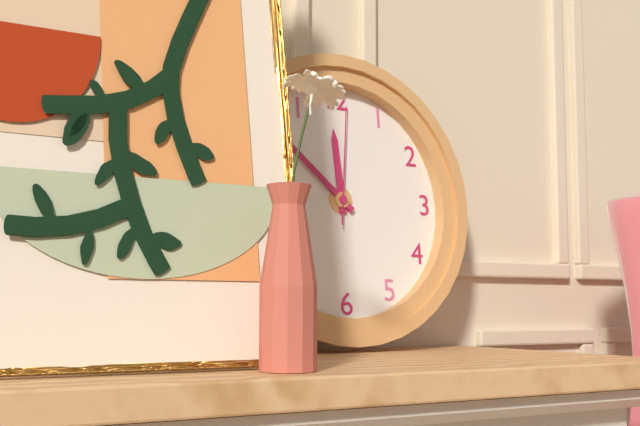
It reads 11,52,01
